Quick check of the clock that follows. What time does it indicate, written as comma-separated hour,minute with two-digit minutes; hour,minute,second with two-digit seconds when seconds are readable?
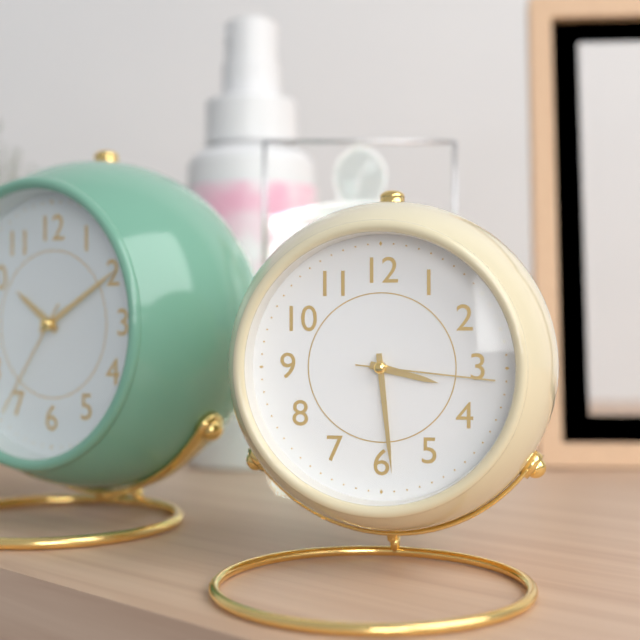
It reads 3,29,16
